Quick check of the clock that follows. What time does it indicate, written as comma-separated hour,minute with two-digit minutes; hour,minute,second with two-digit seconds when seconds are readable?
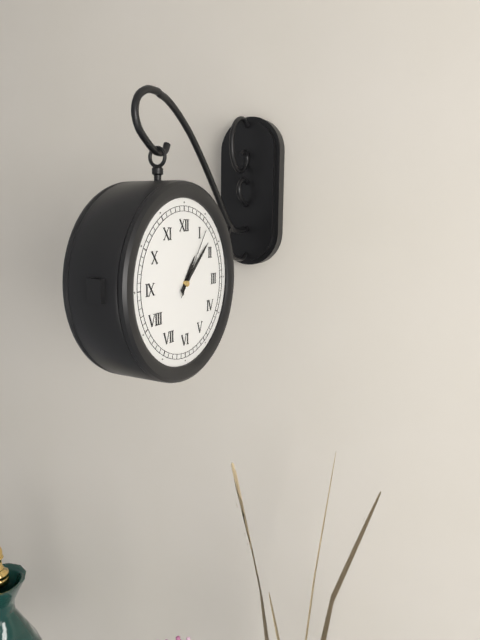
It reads 1,08,06
